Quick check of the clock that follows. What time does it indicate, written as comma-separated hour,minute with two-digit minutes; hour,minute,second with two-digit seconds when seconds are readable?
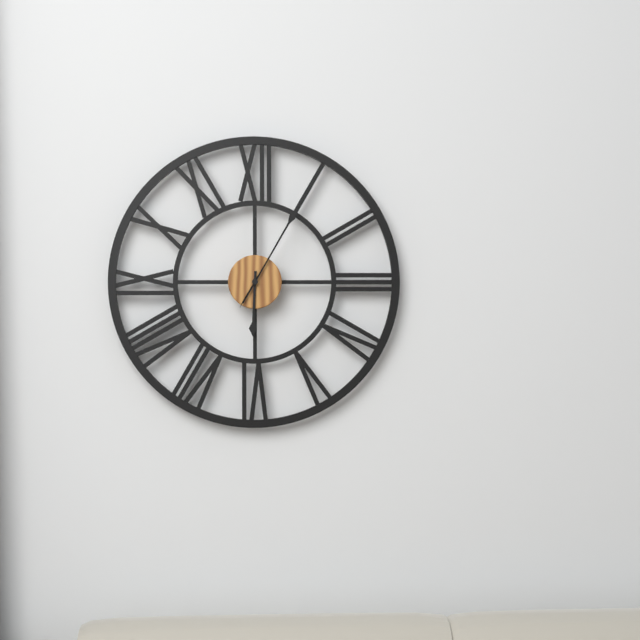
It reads 6,05
